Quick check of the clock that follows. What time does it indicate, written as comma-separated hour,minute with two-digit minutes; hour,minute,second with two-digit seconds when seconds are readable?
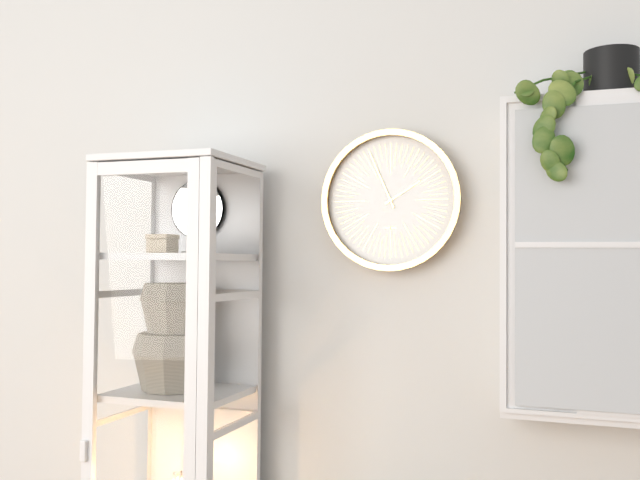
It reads 1,56
